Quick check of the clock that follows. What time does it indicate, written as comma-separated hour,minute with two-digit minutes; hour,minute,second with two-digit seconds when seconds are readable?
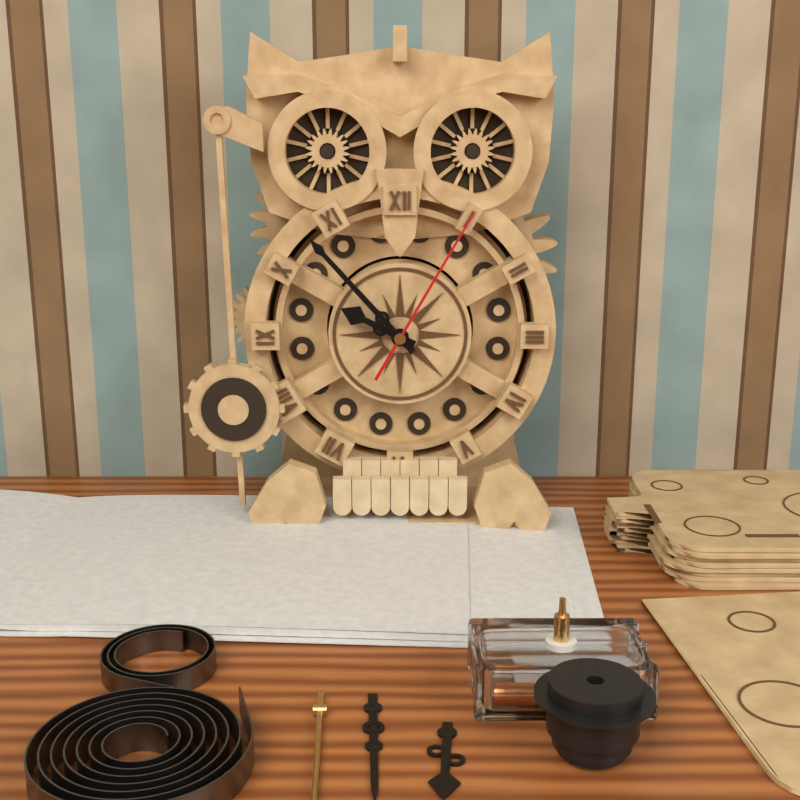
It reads 9,53,05
